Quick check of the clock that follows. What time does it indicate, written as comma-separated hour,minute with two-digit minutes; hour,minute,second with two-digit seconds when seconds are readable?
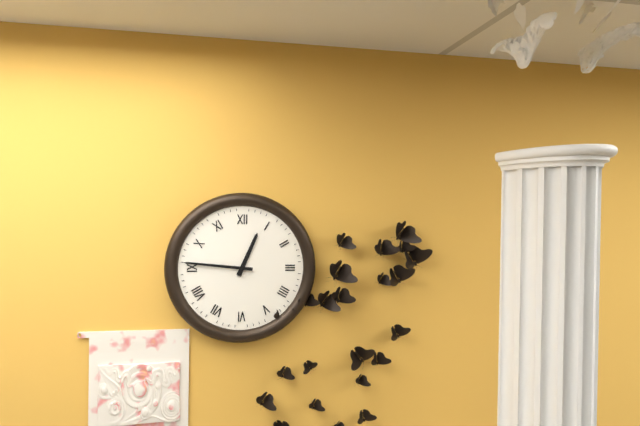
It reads 12,46
